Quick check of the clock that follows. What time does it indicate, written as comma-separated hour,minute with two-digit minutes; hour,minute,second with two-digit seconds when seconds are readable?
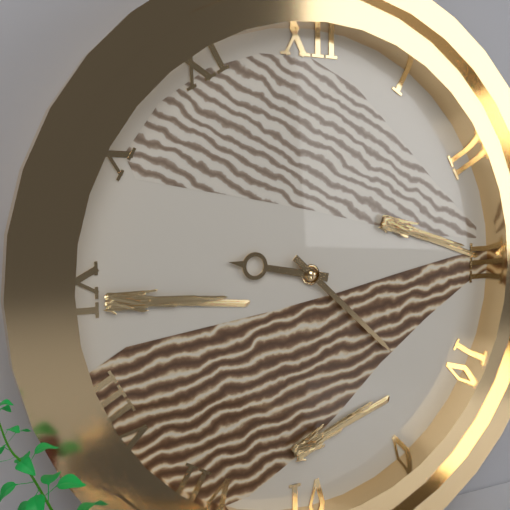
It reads 9,22
